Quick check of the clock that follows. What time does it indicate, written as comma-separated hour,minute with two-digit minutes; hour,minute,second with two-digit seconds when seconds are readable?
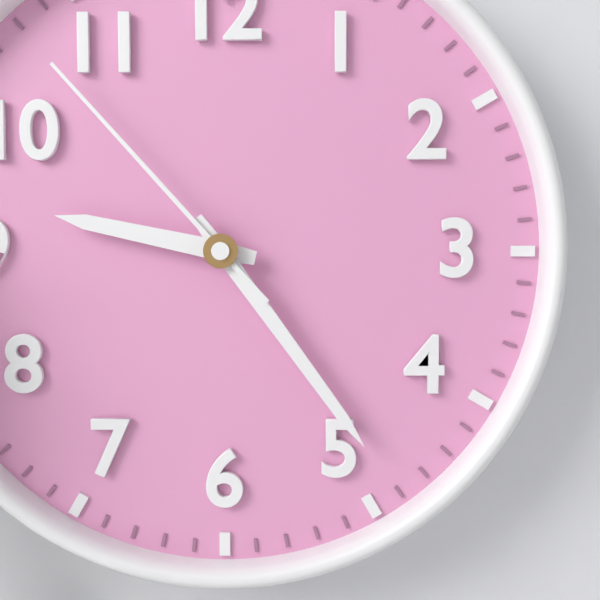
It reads 9,24,53
